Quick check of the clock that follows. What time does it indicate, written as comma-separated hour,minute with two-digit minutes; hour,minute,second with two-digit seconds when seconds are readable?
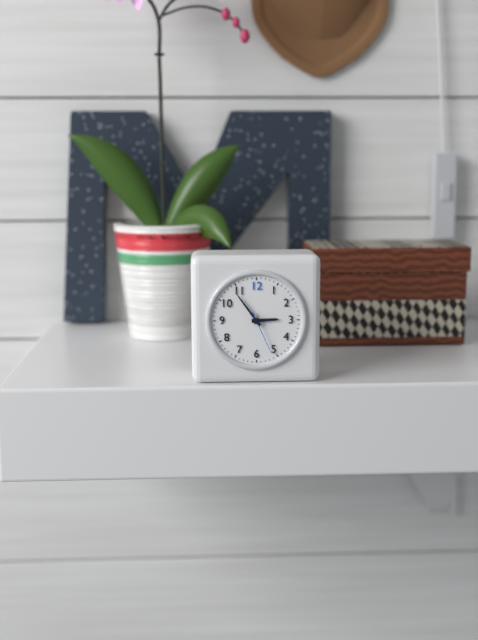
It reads 2,54
